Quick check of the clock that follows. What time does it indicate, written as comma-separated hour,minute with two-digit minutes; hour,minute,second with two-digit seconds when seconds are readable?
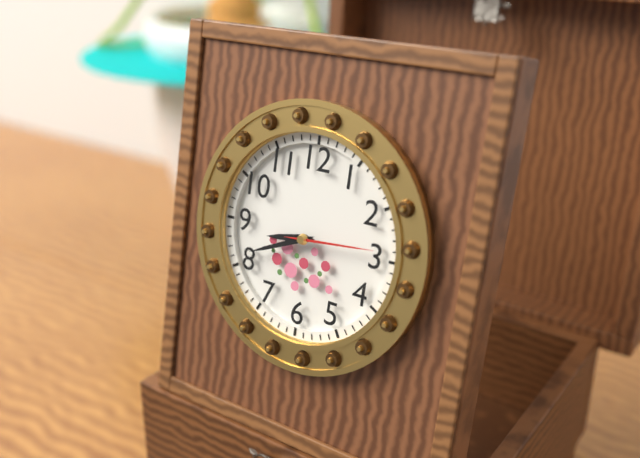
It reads 8,41,14
